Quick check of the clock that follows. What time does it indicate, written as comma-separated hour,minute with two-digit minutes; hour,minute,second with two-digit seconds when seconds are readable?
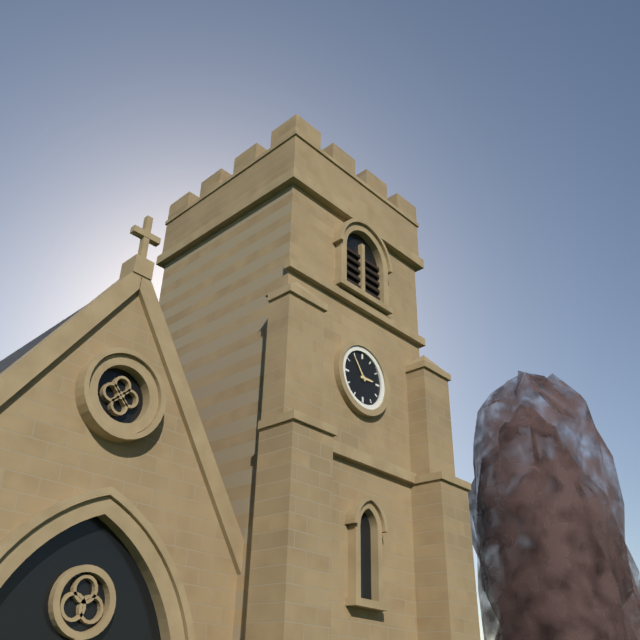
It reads 2,54
